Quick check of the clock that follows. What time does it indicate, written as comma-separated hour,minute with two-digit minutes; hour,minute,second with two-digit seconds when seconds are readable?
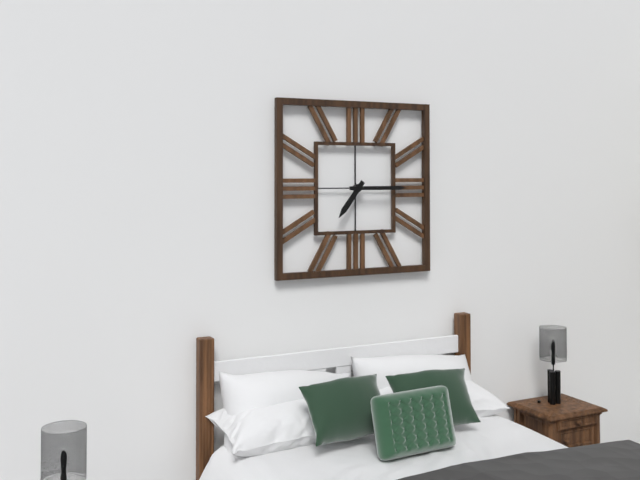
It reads 7,15
